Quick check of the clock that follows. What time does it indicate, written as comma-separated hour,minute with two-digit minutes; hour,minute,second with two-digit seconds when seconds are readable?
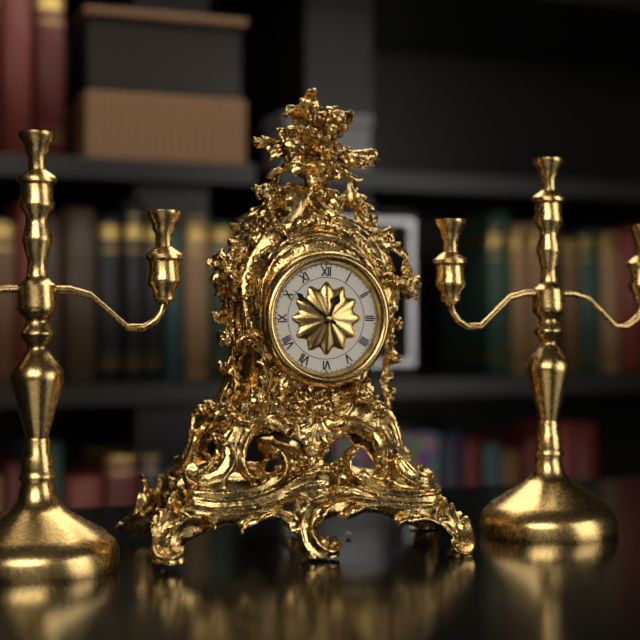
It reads 12,51
